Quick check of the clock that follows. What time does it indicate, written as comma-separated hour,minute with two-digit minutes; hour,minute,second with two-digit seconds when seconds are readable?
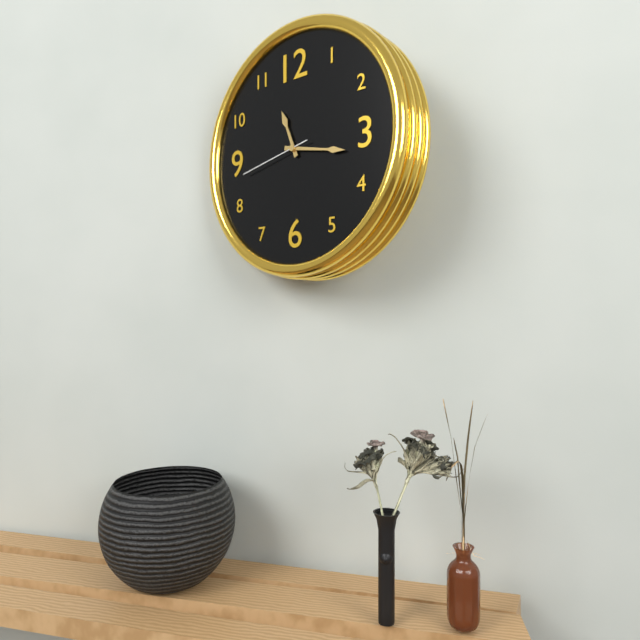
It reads 11,17,43
